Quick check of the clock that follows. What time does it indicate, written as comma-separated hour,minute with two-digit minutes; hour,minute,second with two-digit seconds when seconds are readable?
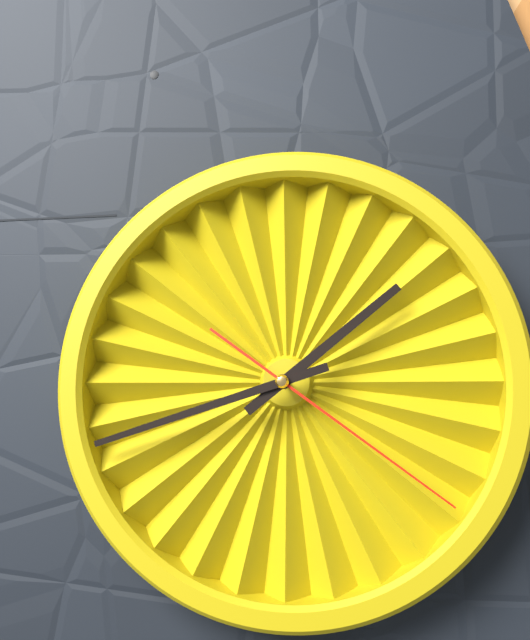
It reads 1,42,21
